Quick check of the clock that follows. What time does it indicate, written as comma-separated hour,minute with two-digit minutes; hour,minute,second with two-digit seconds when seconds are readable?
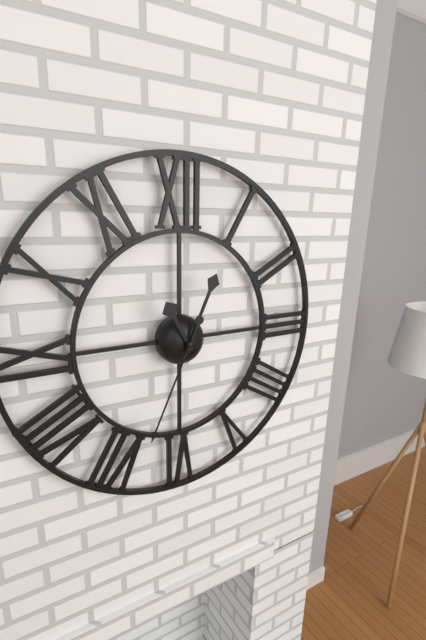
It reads 11,04,34
